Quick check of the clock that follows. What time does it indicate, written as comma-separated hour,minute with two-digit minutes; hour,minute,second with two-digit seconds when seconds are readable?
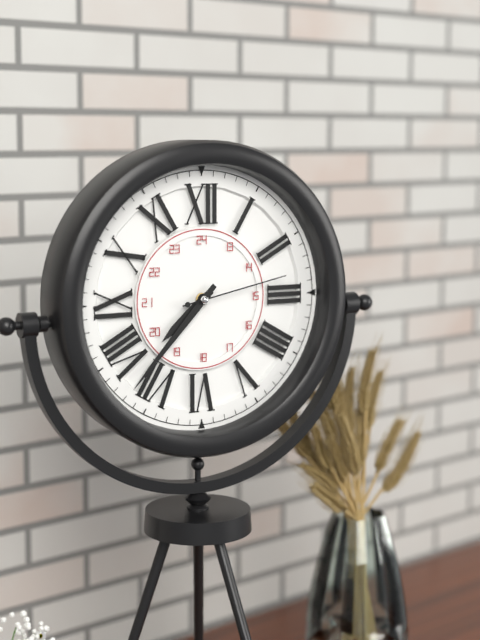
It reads 7,37,13
